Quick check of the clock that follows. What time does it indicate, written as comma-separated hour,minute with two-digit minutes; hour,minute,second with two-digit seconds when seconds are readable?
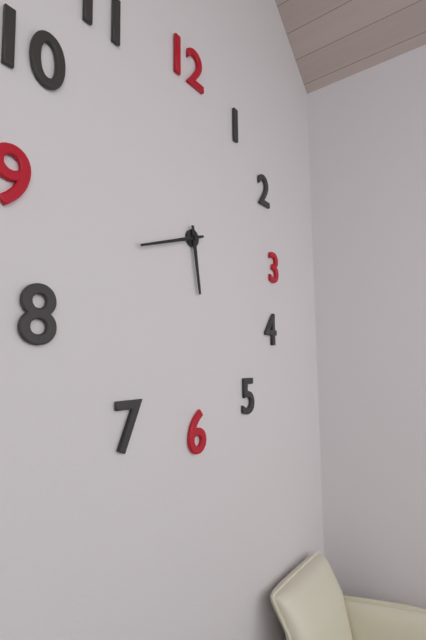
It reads 5,42
